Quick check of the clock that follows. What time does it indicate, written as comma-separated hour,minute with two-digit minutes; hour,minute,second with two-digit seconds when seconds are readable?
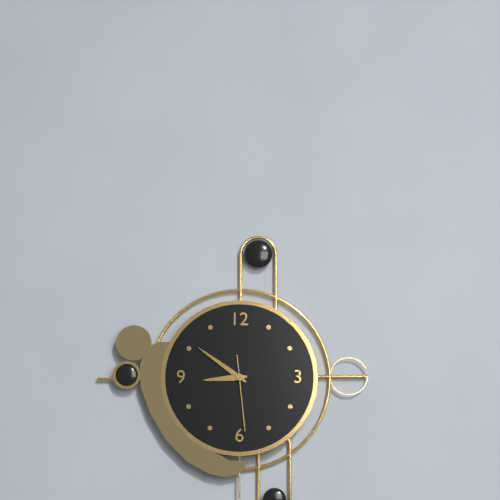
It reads 8,51,29
